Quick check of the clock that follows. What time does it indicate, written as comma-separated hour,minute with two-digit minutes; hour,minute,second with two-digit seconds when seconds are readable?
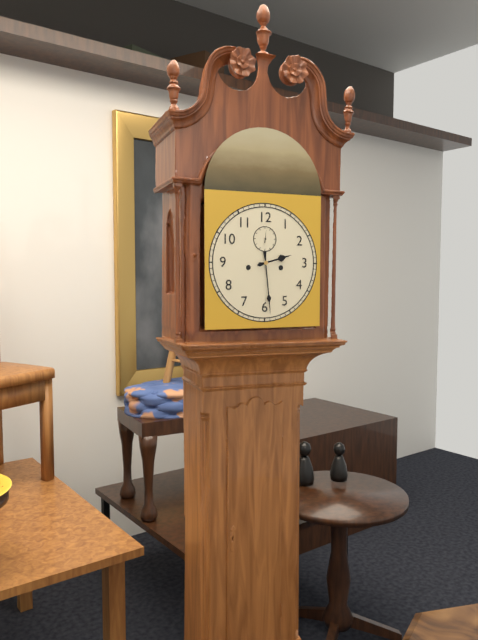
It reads 2,29
